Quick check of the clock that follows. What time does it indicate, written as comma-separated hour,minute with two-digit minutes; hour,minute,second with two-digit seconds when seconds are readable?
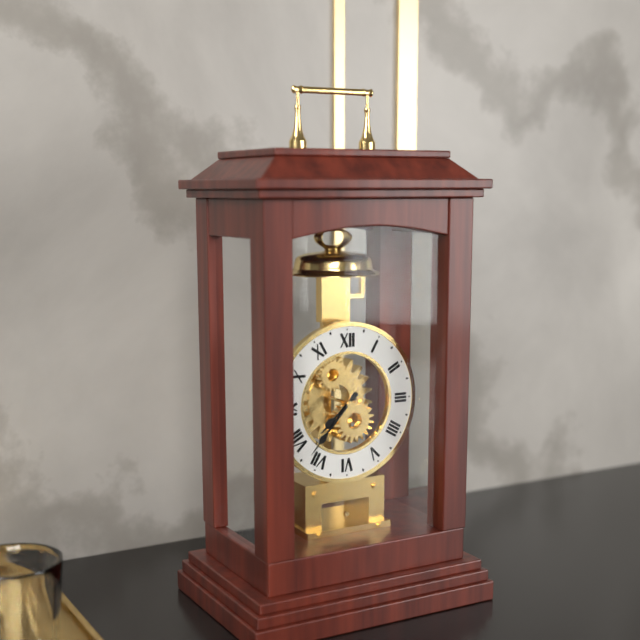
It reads 7,37
